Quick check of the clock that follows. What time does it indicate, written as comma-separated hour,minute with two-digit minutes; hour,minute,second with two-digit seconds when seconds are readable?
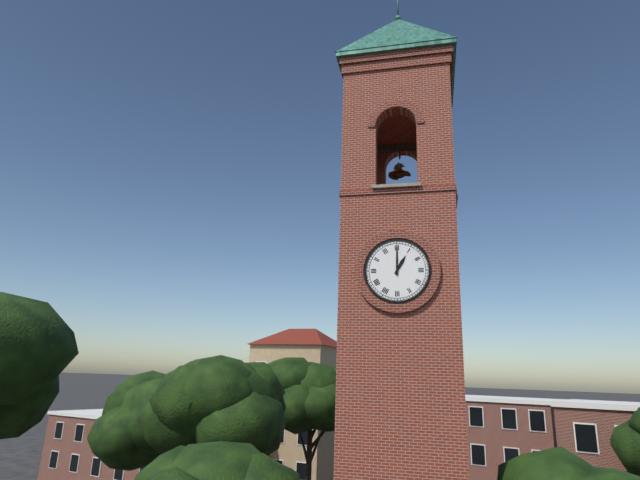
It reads 1,00
